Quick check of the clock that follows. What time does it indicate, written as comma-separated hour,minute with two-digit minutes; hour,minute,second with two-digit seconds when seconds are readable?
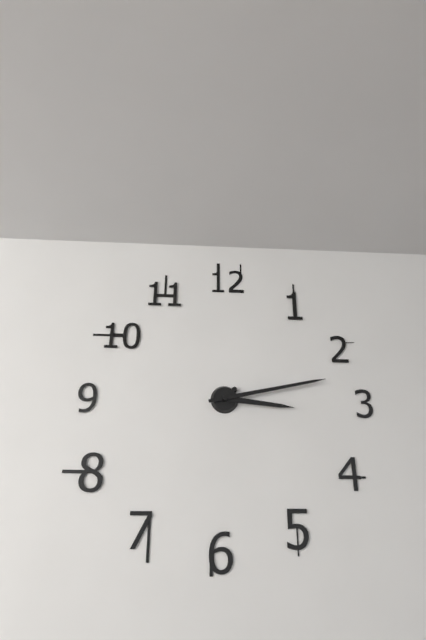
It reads 3,13
